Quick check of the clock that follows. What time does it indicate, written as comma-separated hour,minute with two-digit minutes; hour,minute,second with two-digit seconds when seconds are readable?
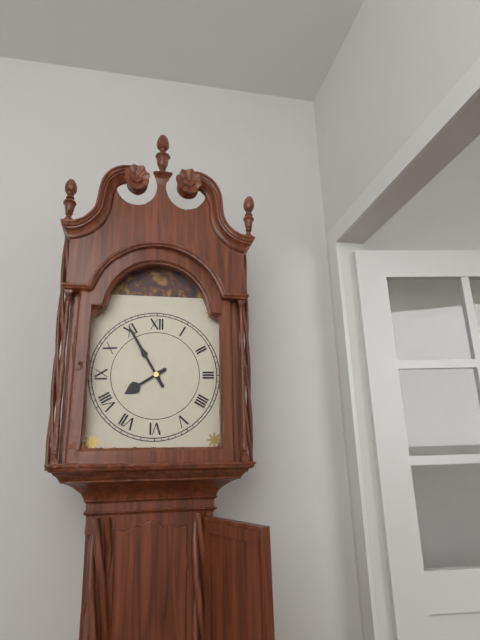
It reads 7,55
